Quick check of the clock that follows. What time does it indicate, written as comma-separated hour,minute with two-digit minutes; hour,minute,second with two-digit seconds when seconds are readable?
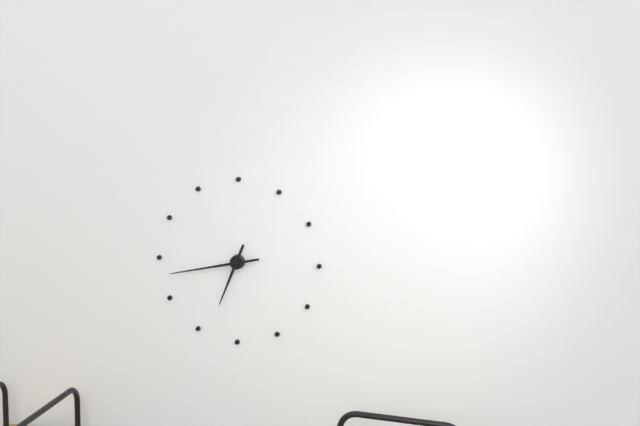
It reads 6,43
